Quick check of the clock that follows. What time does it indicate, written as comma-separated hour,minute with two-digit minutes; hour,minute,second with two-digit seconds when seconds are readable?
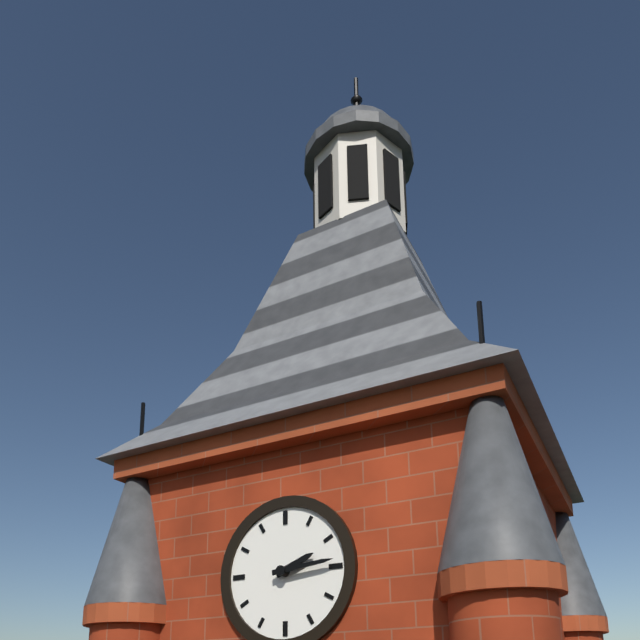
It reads 2,14
